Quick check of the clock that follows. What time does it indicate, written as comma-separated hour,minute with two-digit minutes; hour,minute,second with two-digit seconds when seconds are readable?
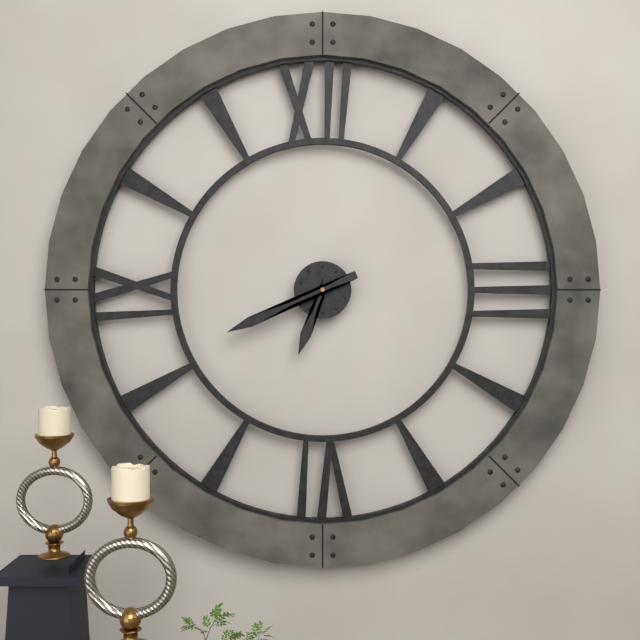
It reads 6,41
